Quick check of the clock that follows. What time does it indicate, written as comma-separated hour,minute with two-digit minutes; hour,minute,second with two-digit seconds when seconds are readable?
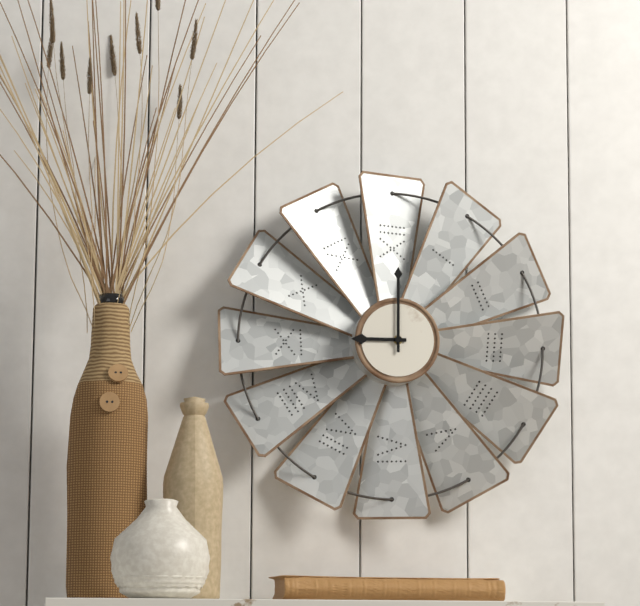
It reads 9,00
